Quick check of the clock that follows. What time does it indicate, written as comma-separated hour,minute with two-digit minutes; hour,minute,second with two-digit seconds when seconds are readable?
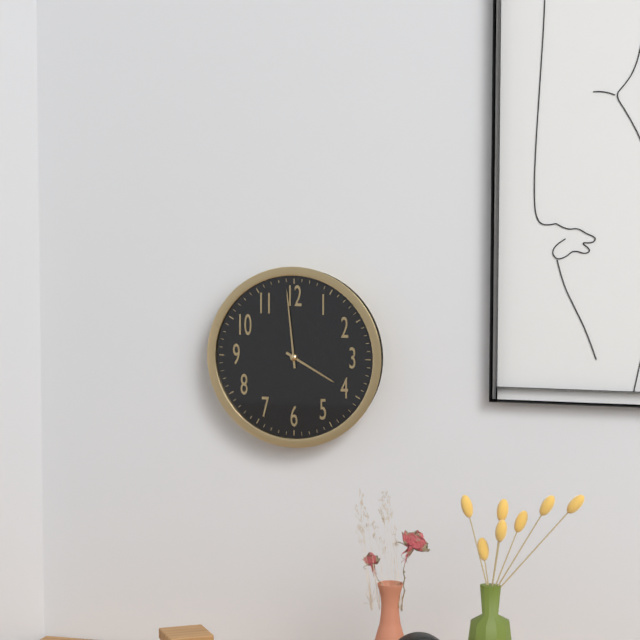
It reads 3,59
